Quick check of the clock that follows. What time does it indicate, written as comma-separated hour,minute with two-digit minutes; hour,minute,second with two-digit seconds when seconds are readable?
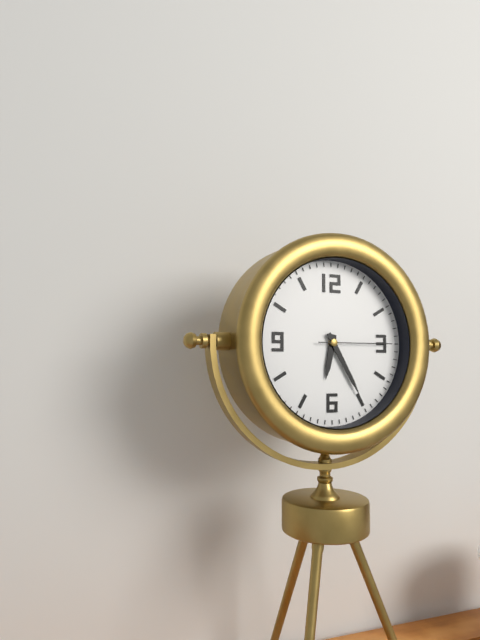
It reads 6,25,15
